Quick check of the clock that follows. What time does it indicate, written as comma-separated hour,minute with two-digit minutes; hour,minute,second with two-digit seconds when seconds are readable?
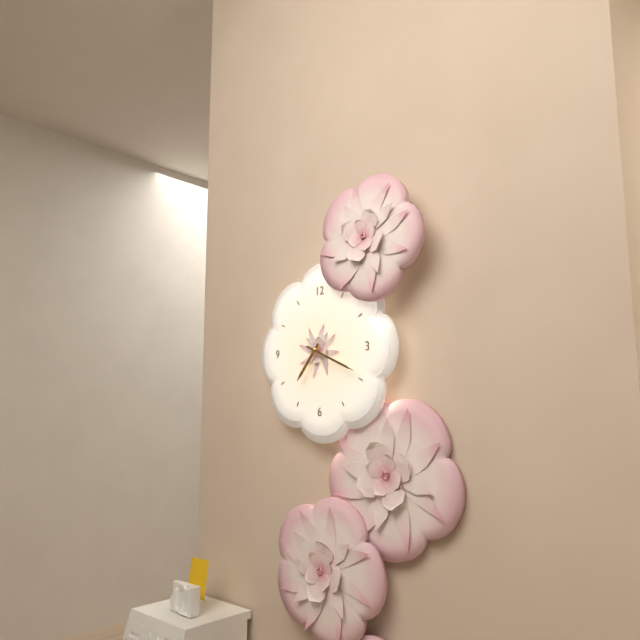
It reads 7,19
